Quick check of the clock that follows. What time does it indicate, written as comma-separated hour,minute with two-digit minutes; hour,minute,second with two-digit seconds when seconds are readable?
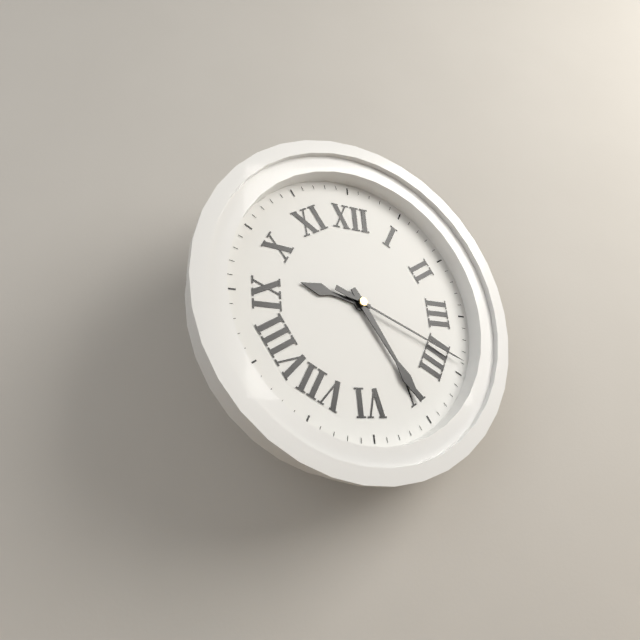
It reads 9,25,19
